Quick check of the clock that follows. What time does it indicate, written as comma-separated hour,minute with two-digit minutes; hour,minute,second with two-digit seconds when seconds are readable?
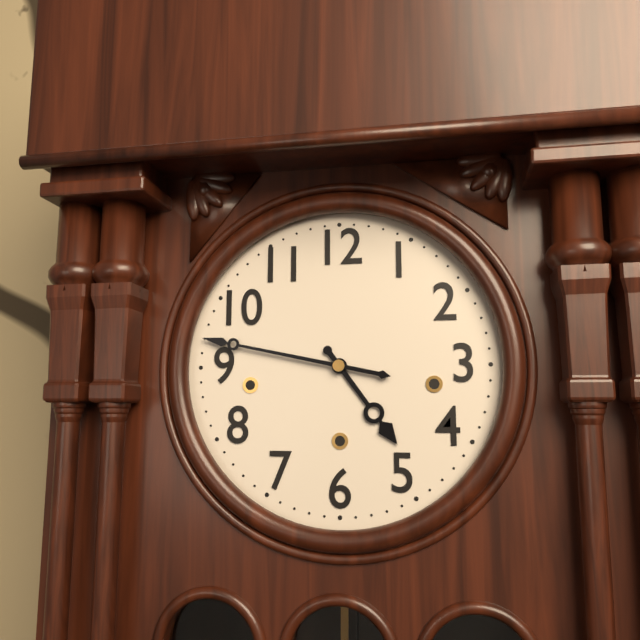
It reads 4,47
